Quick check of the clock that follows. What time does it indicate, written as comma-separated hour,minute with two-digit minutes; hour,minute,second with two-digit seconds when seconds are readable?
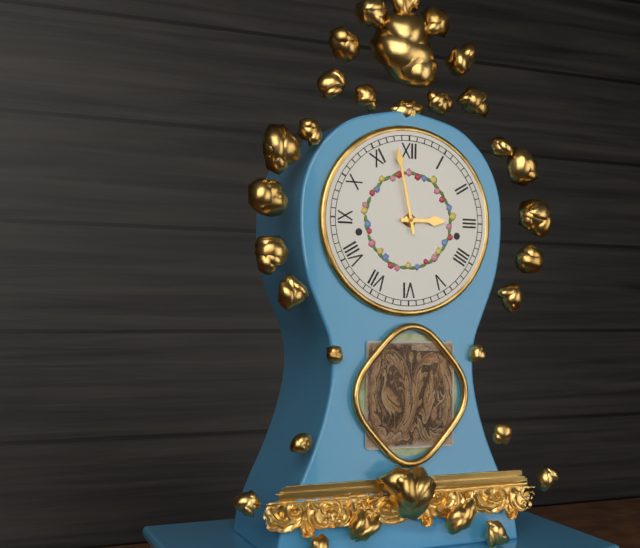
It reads 2,58
